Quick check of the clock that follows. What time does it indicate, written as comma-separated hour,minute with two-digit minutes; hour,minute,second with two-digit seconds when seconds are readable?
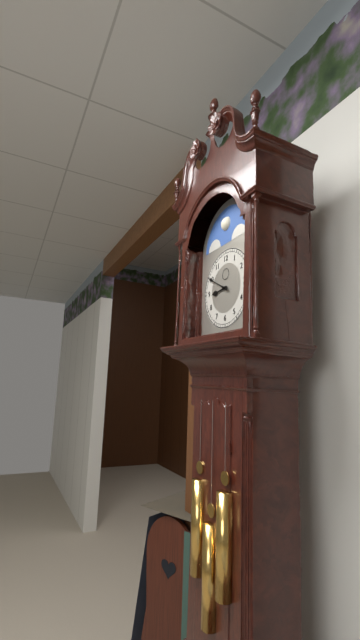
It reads 8,50
